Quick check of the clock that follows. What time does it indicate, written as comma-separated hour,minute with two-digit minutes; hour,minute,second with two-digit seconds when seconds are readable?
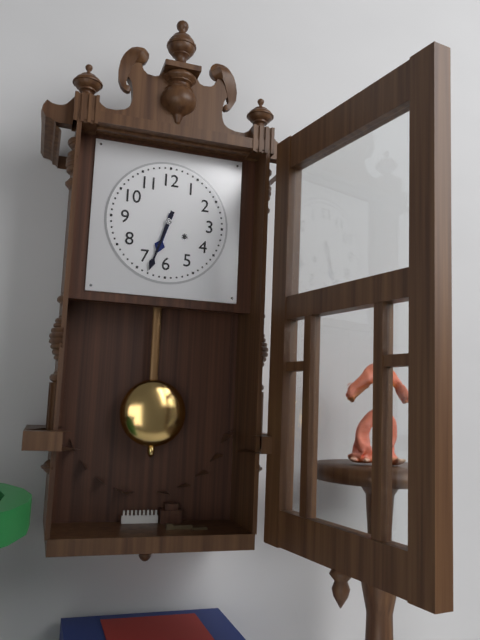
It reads 6,33
